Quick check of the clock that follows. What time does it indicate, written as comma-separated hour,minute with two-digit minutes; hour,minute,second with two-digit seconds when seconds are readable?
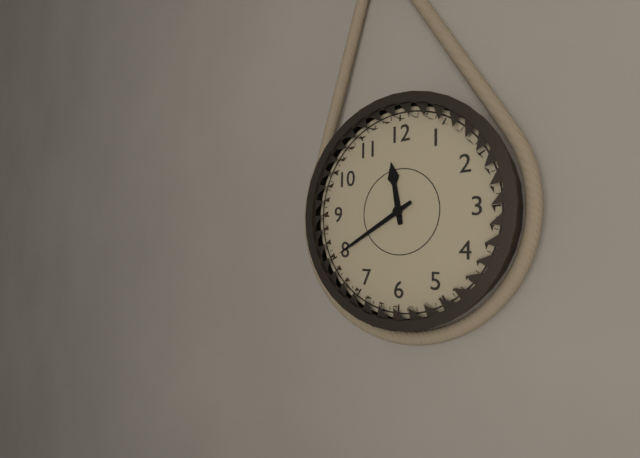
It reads 11,40
